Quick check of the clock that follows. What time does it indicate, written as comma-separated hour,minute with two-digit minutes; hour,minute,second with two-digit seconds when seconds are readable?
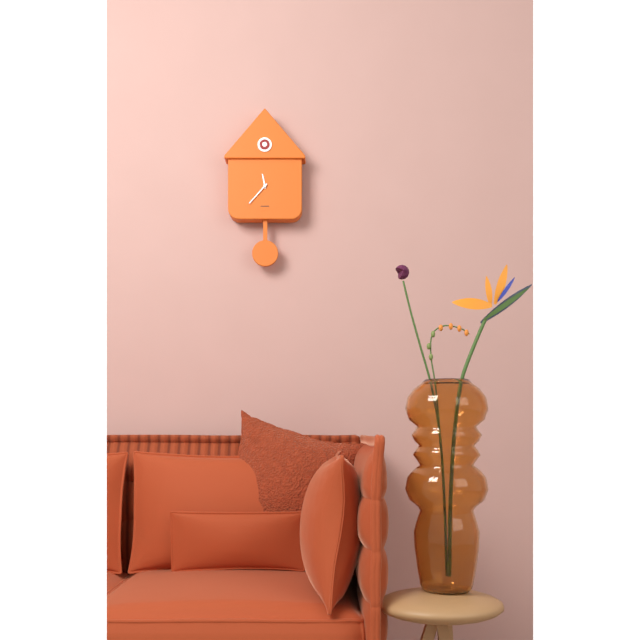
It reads 11,37
